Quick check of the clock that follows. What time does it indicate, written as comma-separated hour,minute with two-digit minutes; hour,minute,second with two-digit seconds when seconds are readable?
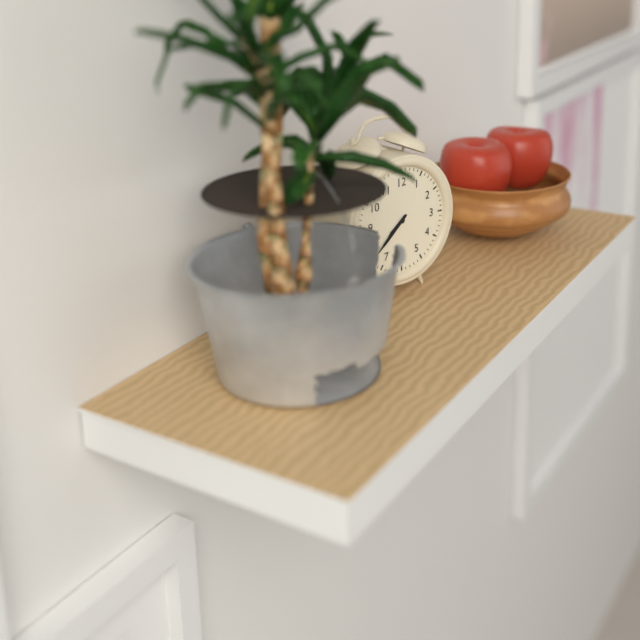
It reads 7,38
